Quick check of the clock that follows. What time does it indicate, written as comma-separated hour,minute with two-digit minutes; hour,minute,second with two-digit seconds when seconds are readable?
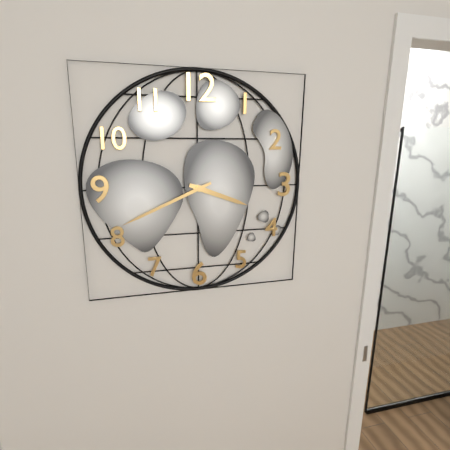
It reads 3,41
